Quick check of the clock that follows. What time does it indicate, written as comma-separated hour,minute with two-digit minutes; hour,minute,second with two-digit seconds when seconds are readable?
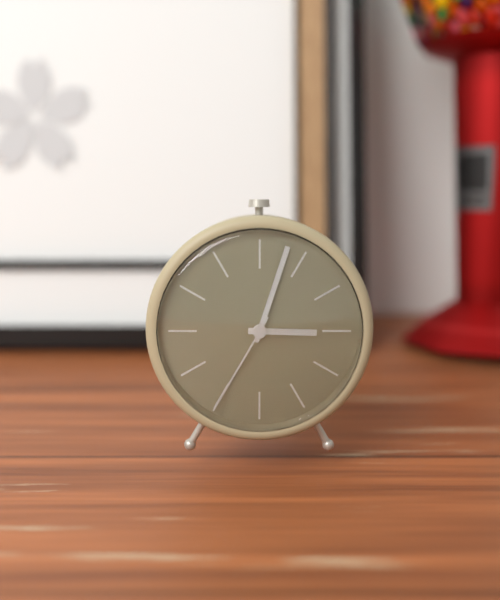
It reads 3,03,35
